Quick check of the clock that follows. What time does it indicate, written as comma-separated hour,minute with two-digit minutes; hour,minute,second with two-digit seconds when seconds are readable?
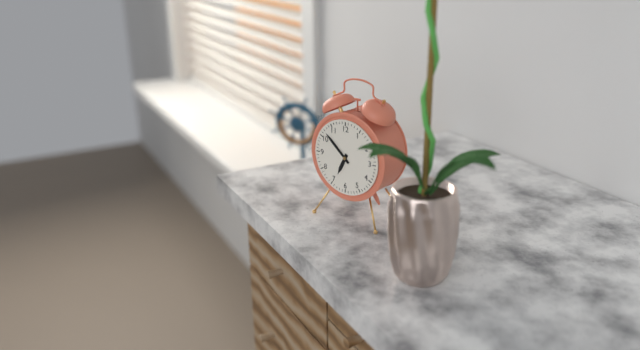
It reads 6,52
